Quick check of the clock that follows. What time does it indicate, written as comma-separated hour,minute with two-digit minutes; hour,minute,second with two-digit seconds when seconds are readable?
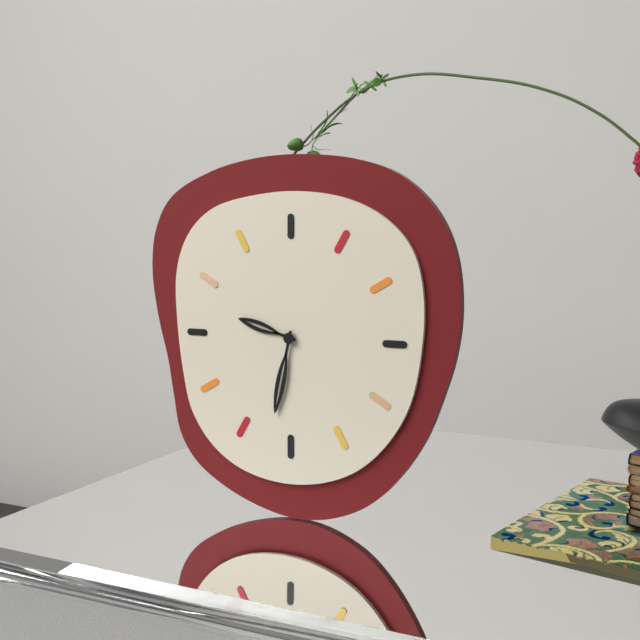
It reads 9,32
